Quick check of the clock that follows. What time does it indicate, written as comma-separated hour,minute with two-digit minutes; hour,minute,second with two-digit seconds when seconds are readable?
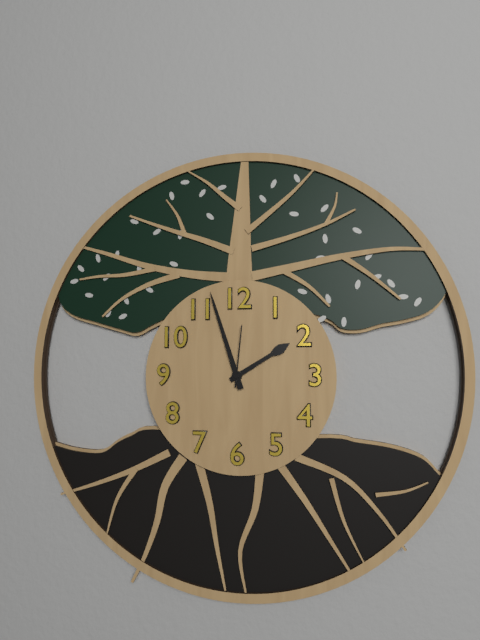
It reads 1,57,01
